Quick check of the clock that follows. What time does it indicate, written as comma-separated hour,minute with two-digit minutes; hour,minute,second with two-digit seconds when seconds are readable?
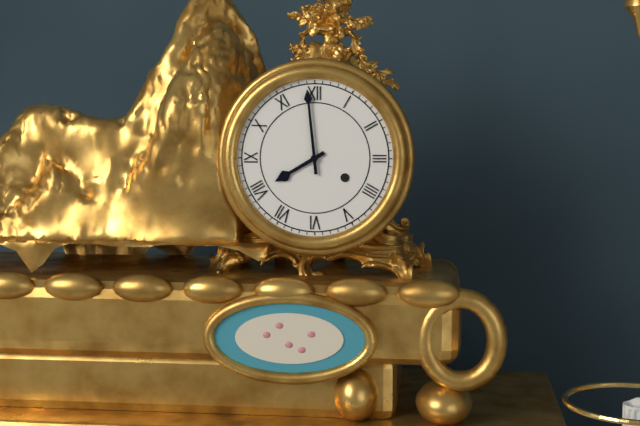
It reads 7,59
